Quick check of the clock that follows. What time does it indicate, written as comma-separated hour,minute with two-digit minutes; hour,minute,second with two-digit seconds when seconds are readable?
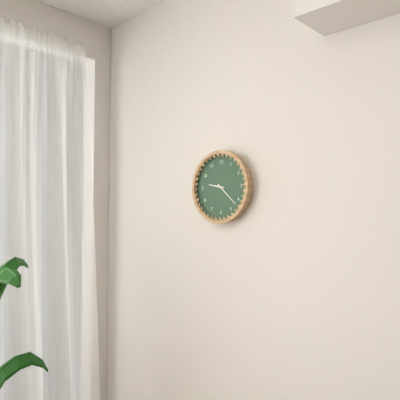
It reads 9,22
